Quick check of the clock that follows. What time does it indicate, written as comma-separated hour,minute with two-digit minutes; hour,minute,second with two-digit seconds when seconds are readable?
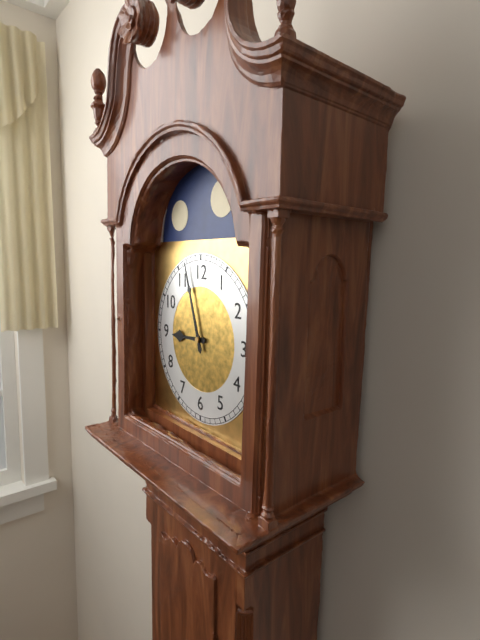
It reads 8,57
